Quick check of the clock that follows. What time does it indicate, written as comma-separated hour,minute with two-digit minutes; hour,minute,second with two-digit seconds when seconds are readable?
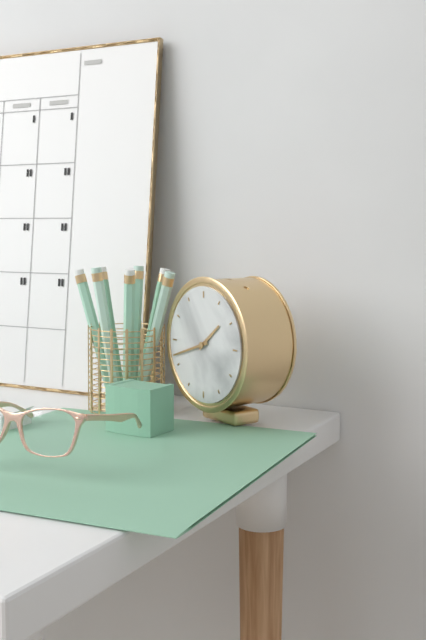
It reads 1,42
